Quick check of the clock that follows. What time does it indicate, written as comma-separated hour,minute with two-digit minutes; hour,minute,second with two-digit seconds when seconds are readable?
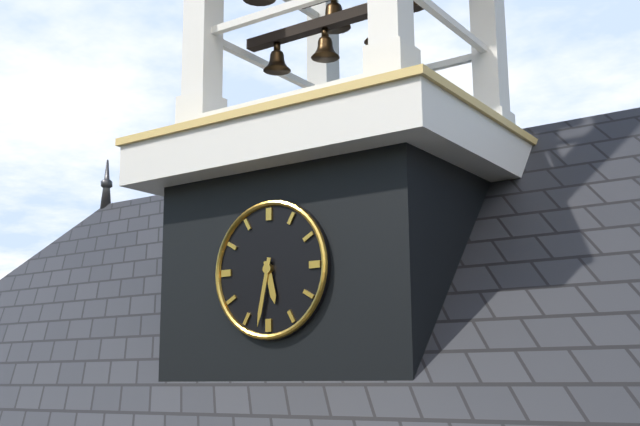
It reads 5,32
